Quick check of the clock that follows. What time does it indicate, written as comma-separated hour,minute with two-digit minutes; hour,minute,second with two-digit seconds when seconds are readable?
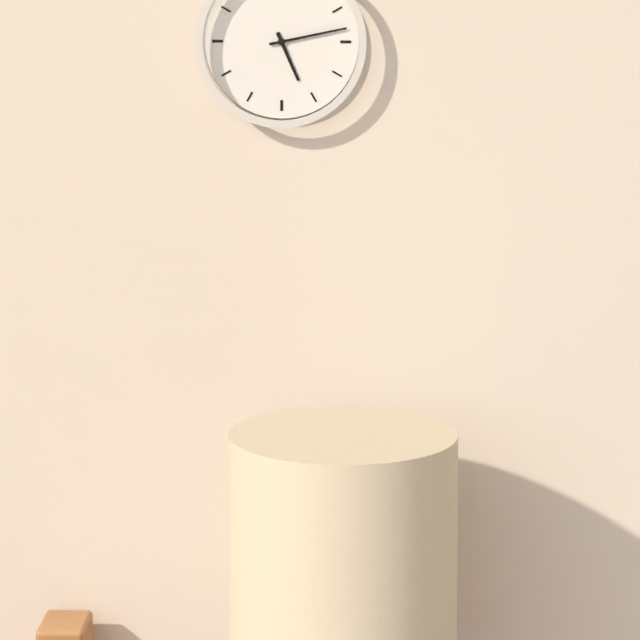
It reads 5,13
